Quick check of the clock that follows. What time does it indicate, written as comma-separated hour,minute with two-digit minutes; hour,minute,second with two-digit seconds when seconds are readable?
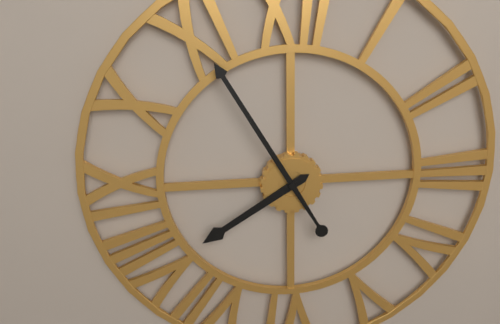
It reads 7,55
